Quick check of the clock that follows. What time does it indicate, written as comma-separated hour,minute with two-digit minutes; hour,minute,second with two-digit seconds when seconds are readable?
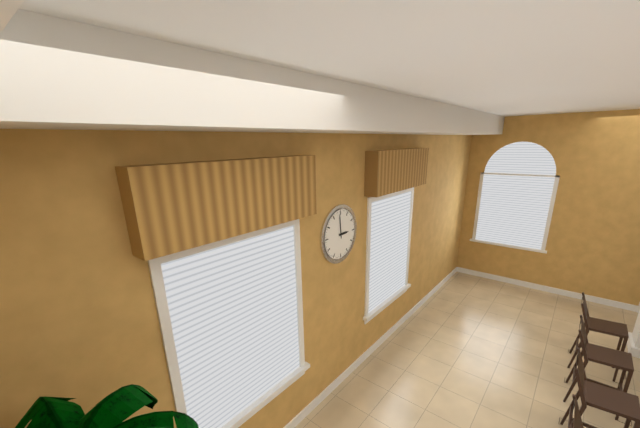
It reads 2,59
